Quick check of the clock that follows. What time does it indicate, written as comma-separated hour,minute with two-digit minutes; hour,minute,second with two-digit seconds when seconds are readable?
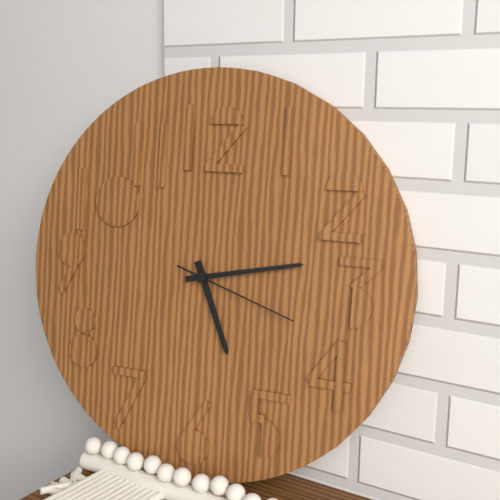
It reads 5,13,18
